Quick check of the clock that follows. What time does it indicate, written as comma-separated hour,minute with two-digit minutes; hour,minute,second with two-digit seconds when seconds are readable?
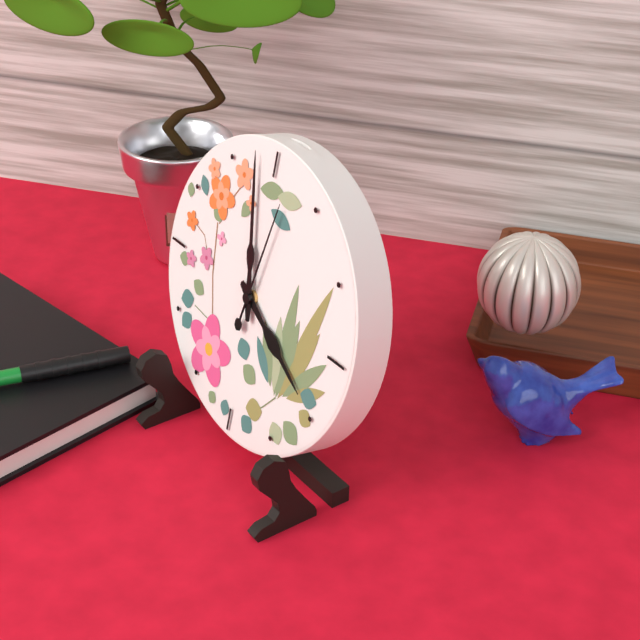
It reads 3,58,02
